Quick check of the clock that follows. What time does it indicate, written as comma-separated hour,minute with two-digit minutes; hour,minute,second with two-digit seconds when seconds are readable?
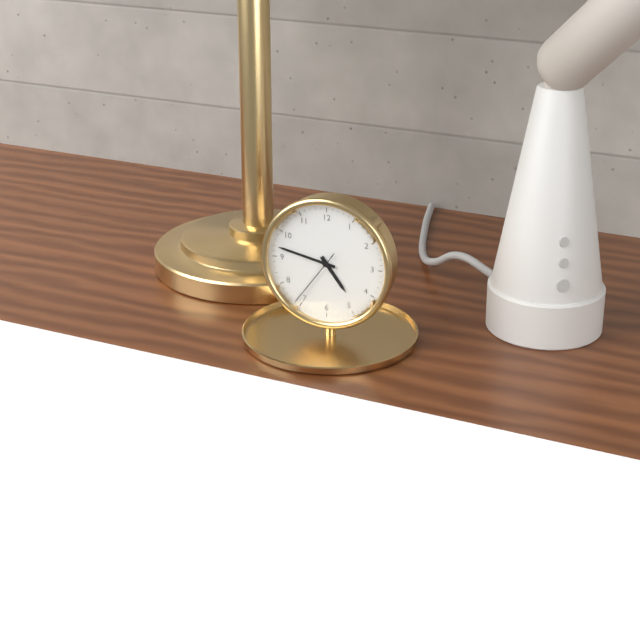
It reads 4,47,36
